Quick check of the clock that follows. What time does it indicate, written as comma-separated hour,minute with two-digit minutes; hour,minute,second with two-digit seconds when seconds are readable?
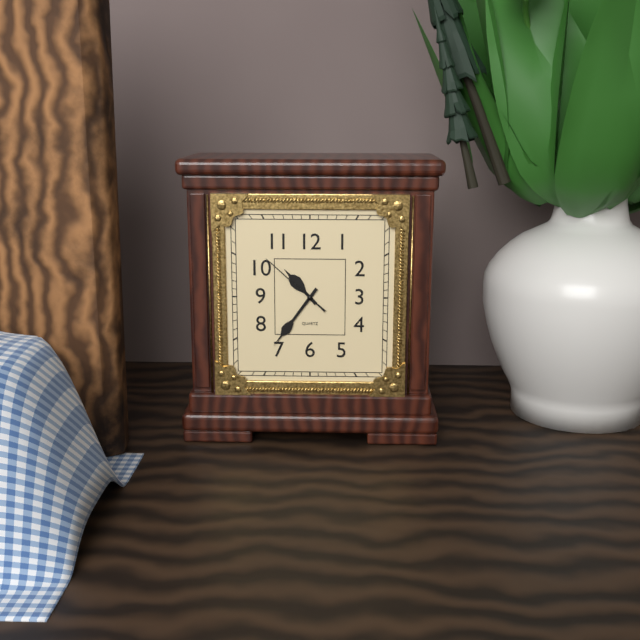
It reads 10,36,52
